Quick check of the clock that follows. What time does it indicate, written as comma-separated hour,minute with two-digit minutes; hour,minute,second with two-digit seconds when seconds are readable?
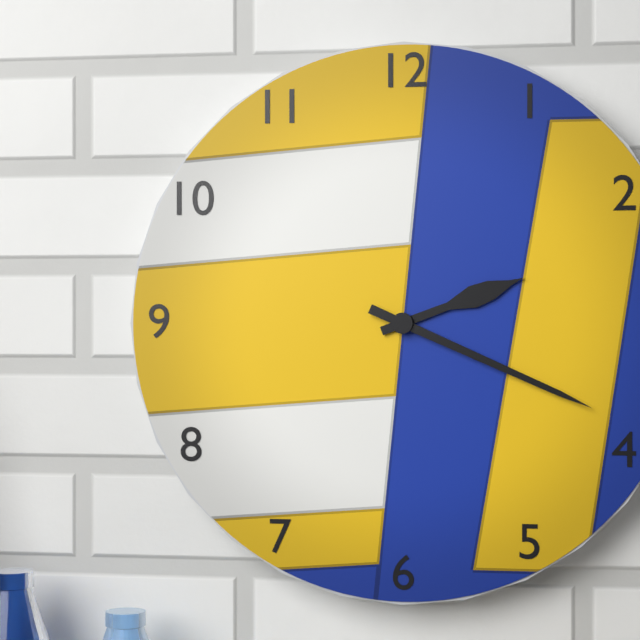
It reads 2,19
